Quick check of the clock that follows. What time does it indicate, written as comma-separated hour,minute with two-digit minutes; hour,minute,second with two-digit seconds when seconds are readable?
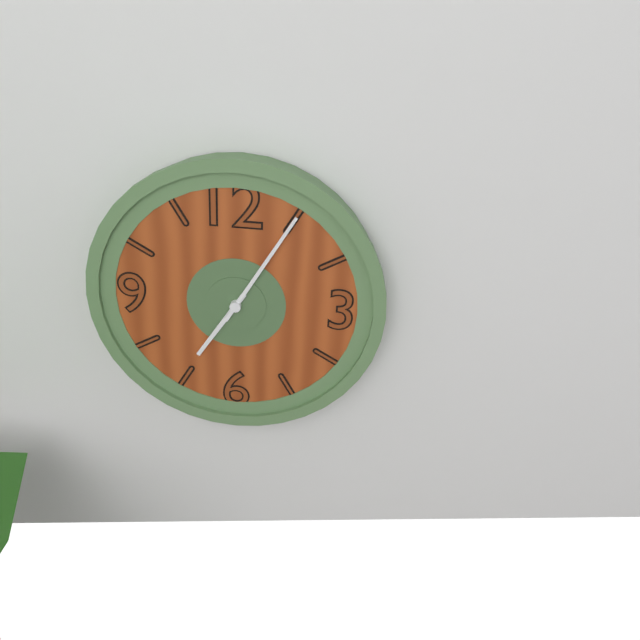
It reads 7,05
